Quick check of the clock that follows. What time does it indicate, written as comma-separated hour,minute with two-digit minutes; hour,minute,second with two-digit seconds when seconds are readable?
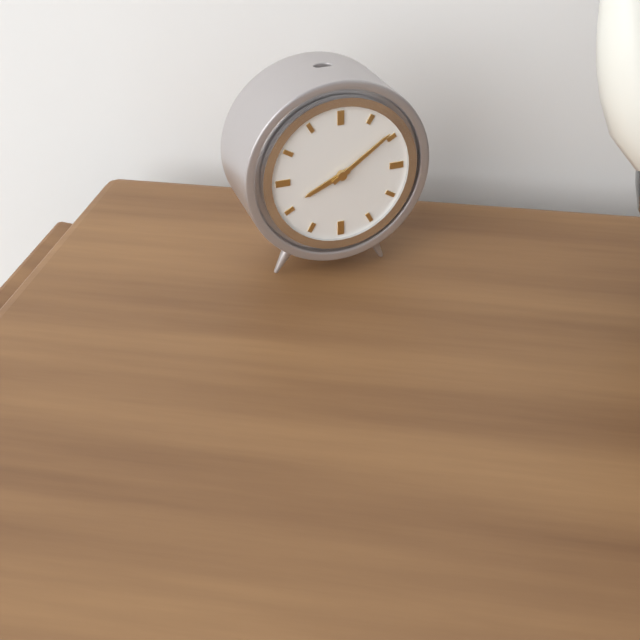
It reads 8,09
